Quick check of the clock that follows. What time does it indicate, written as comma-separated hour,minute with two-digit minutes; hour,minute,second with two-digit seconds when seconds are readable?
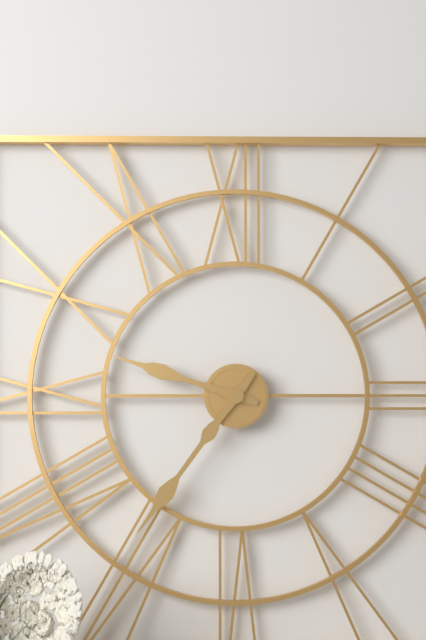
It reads 9,36
